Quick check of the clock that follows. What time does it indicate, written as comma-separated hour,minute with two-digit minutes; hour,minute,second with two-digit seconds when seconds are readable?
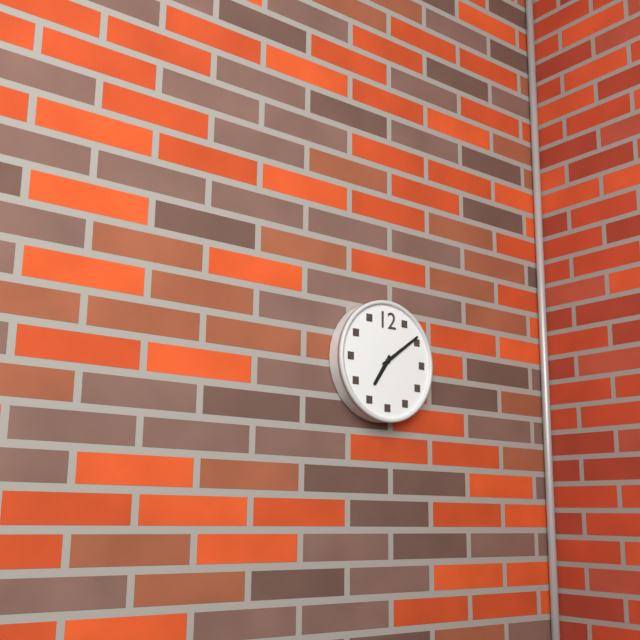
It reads 7,09
